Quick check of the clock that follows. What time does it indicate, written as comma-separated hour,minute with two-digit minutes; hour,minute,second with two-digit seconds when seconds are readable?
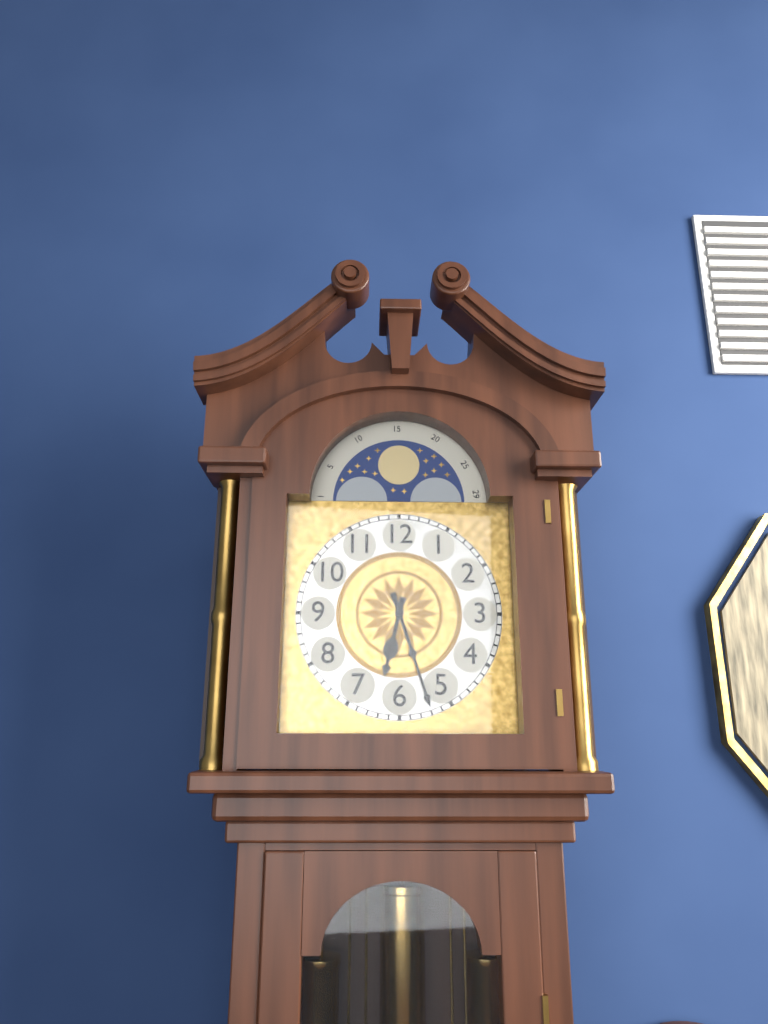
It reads 6,27
